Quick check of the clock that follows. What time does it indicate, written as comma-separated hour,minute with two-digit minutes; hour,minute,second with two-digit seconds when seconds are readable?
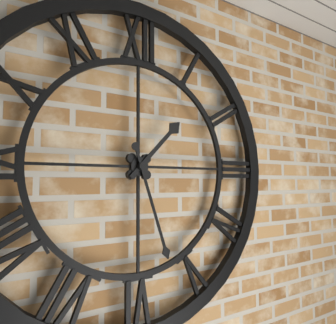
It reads 1,27
